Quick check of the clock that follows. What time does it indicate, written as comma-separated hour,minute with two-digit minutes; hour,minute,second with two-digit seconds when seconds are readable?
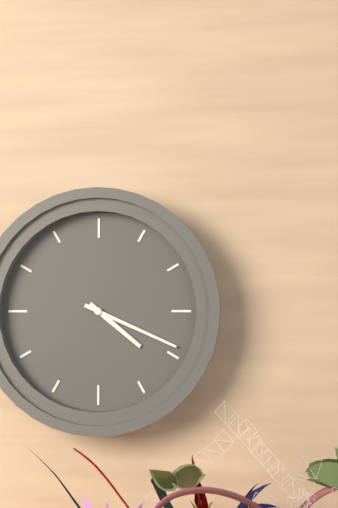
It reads 4,19
